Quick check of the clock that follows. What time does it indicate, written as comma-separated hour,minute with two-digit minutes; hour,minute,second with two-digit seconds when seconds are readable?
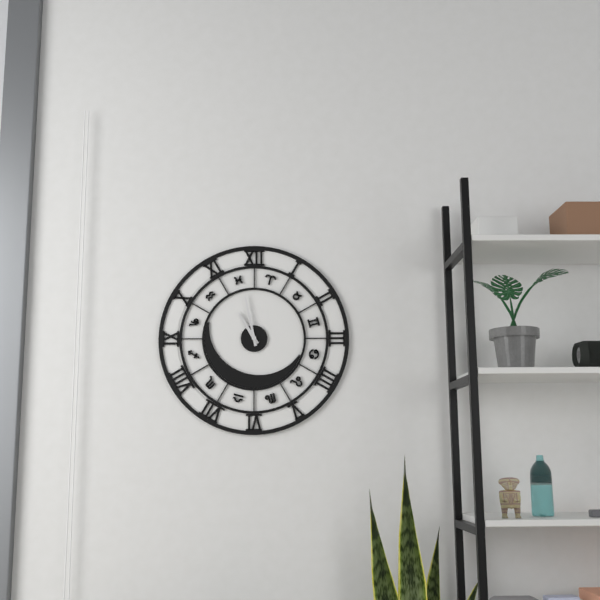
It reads 10,58
